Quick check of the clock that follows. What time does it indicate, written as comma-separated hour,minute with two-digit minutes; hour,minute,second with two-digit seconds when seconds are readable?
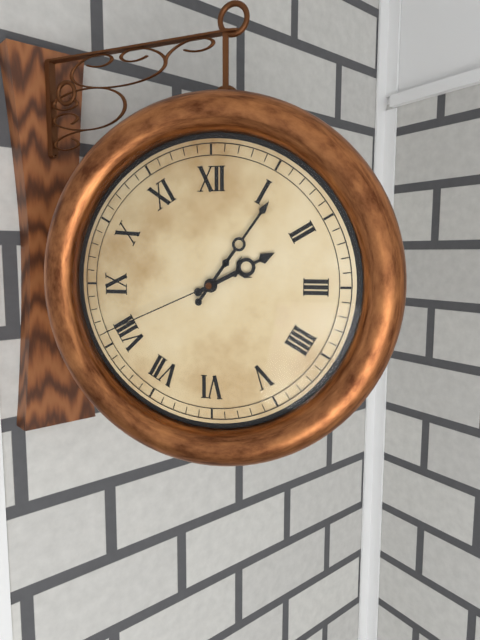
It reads 2,06,41
